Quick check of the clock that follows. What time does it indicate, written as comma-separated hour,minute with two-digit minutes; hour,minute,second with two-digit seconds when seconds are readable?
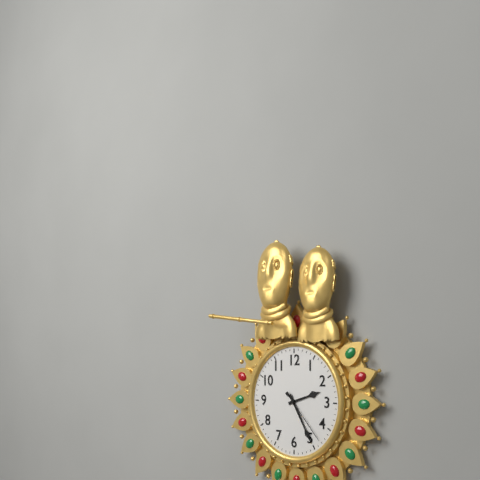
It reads 2,25,23
